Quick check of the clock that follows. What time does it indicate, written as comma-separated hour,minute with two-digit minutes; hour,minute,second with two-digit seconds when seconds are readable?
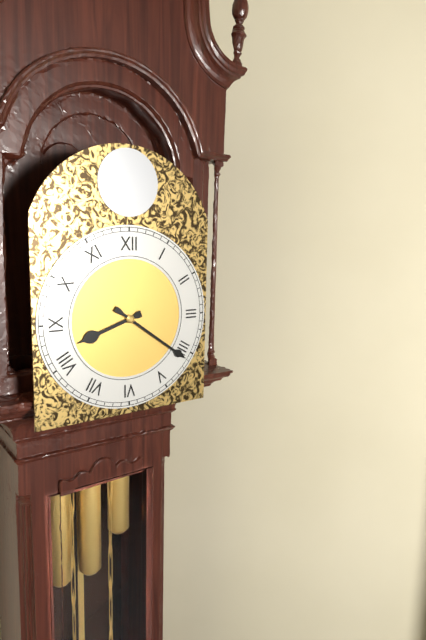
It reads 8,21
